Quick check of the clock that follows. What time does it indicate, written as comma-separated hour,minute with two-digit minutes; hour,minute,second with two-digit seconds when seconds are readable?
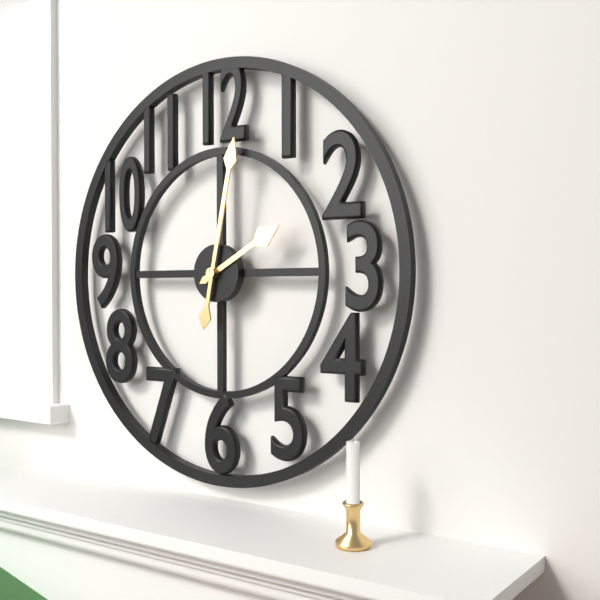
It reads 2,02
